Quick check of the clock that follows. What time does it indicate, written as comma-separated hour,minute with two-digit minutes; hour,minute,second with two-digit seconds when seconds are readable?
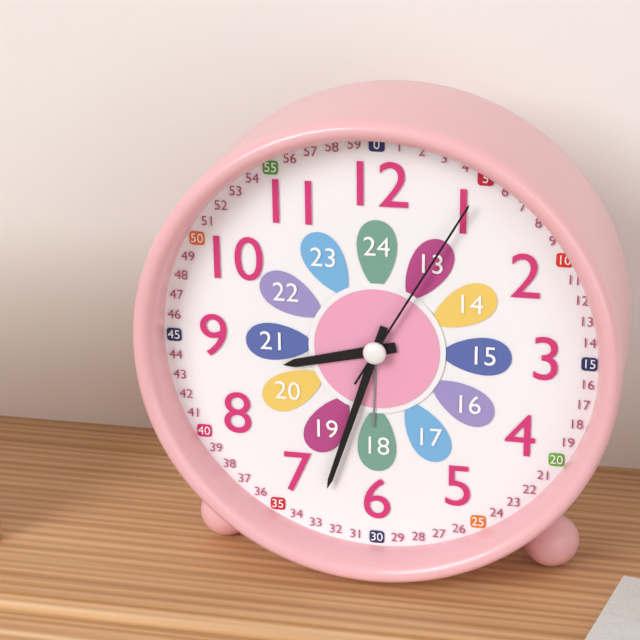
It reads 8,33,05
